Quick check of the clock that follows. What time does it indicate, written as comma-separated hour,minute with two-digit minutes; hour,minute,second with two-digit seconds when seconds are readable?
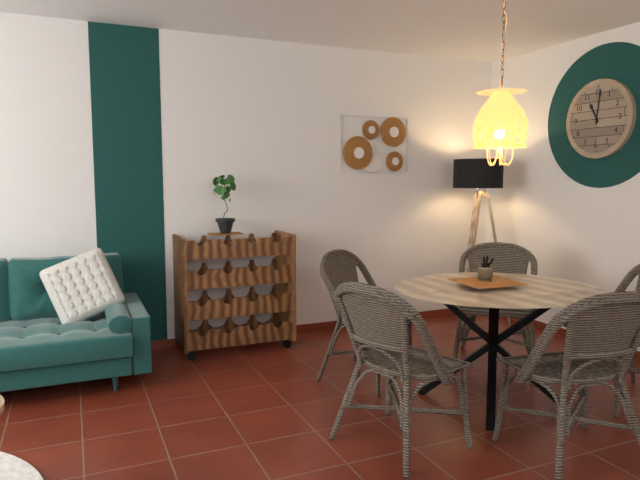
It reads 11,01
